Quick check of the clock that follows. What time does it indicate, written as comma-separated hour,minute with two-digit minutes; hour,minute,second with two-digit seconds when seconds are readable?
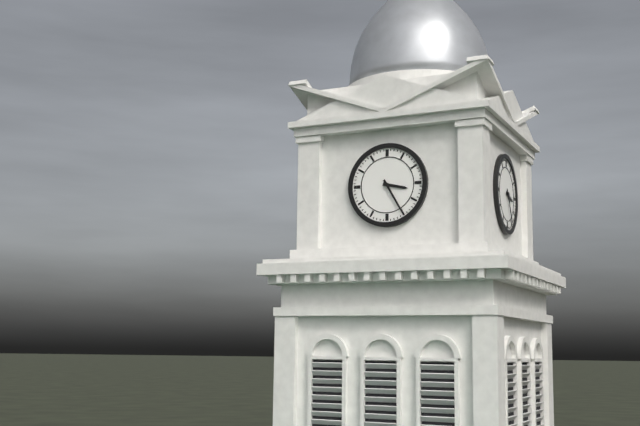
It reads 3,25
